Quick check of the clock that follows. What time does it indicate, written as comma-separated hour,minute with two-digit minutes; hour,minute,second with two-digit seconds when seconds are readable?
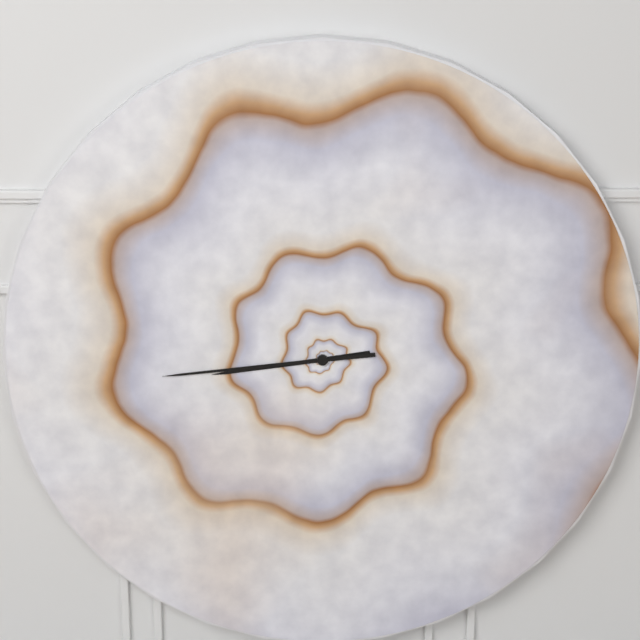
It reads 8,44
